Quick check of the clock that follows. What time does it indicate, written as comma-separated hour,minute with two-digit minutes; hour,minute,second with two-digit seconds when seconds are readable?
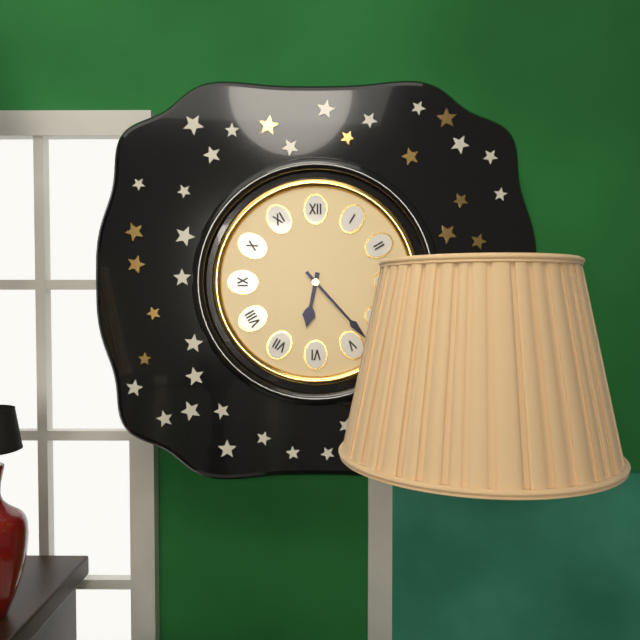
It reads 6,23
